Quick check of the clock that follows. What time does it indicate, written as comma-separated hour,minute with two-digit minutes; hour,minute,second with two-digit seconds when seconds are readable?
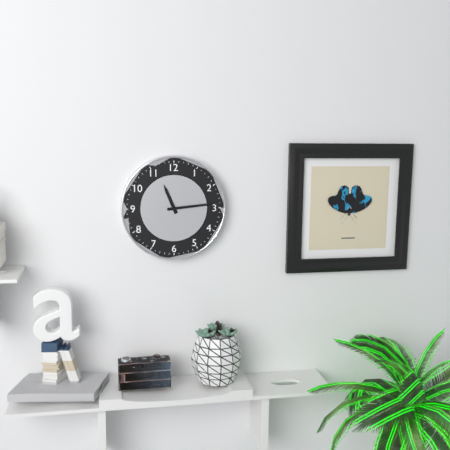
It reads 11,14
